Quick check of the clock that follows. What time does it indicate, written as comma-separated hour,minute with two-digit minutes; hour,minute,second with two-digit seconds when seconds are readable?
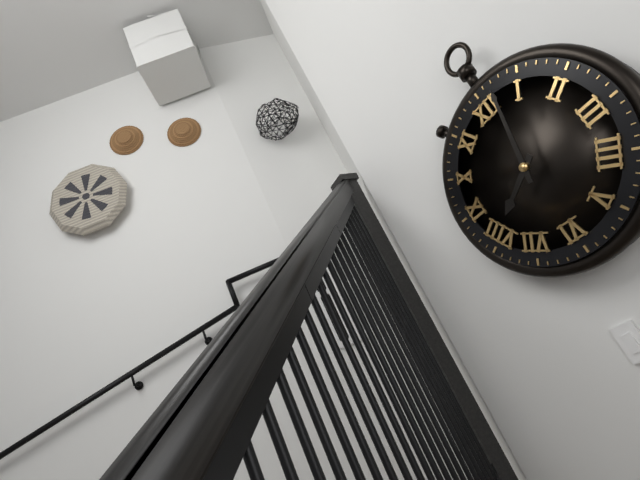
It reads 8,02
